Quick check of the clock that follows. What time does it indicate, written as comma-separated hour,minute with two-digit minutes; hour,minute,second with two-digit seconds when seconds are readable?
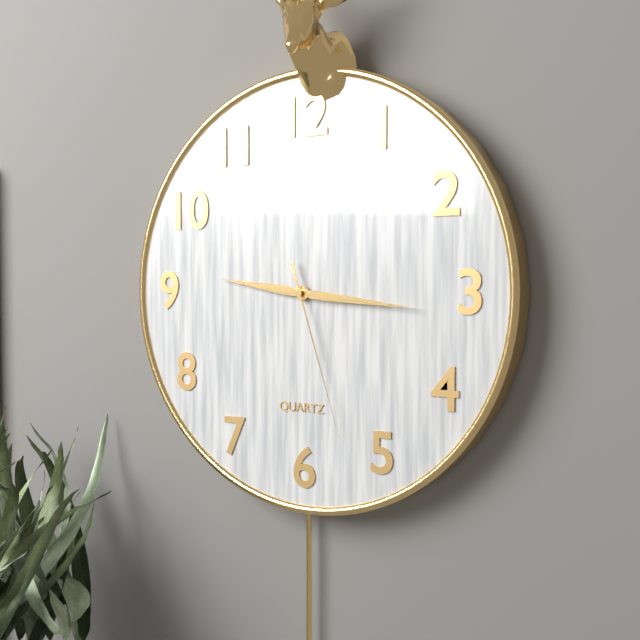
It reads 9,16,27
